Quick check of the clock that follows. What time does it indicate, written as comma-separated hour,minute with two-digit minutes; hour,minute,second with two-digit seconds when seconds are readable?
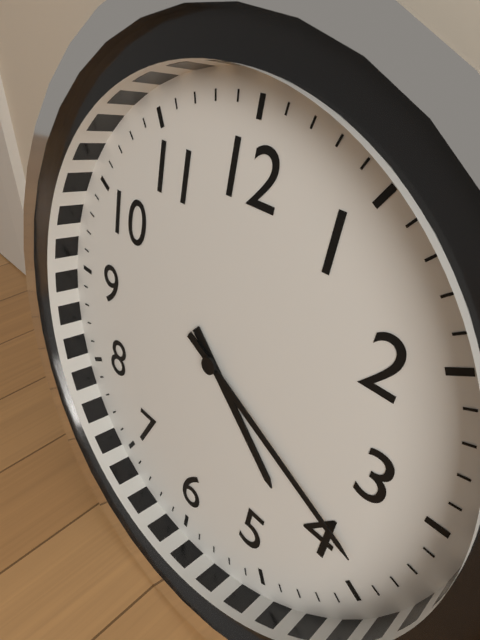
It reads 4,19
